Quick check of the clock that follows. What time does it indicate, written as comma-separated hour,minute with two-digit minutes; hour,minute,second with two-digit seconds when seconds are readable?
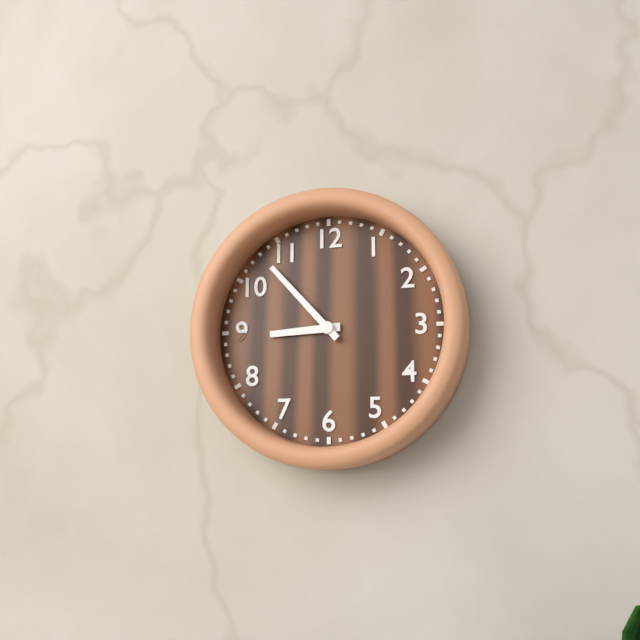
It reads 8,53
